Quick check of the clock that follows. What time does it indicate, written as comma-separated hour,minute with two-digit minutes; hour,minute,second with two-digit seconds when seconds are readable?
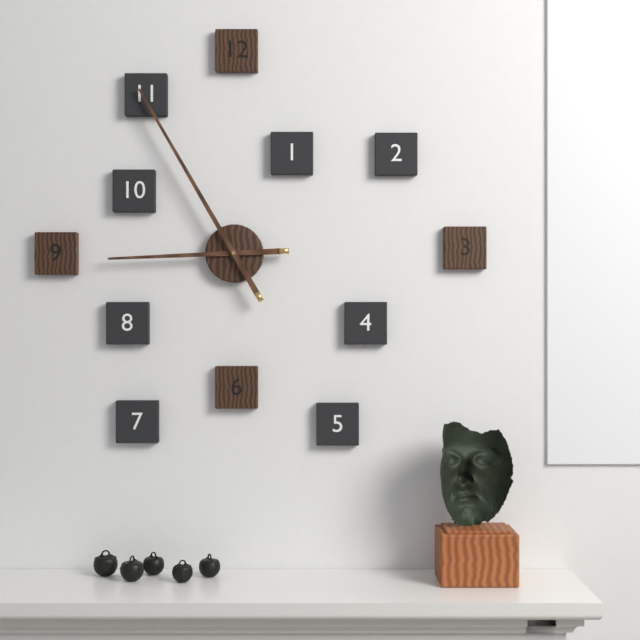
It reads 8,55
